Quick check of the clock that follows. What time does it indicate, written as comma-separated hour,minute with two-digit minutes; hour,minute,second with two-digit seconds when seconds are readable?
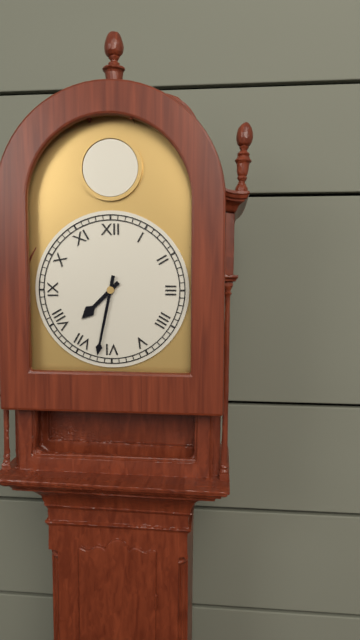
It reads 7,32
